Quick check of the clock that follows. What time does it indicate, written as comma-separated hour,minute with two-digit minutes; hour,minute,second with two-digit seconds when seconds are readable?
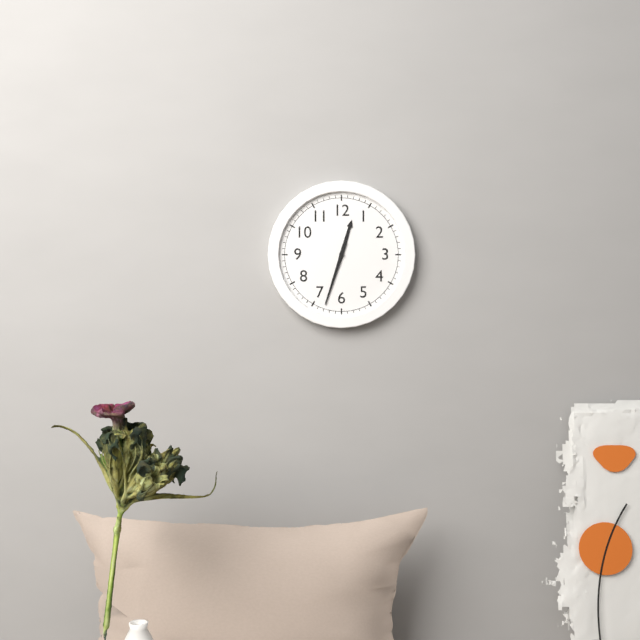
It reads 12,33
